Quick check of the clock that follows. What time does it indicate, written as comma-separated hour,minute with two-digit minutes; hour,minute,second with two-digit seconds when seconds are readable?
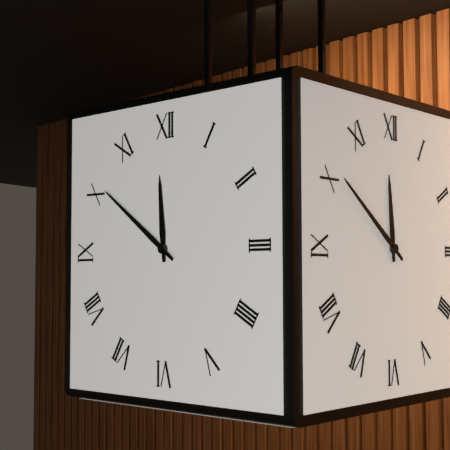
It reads 11,51
